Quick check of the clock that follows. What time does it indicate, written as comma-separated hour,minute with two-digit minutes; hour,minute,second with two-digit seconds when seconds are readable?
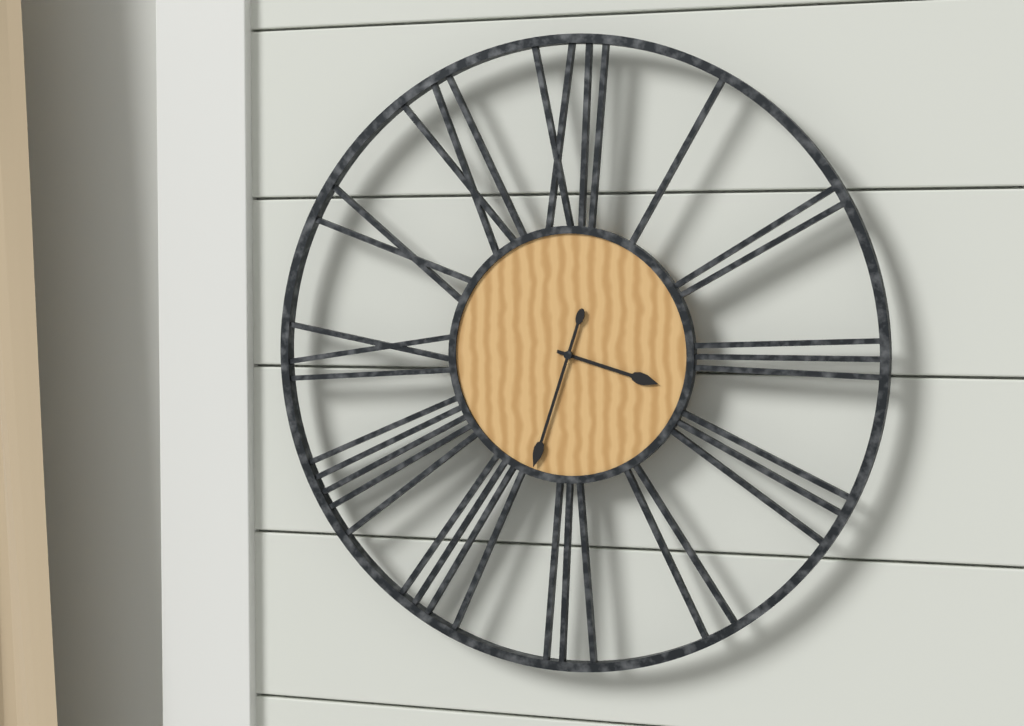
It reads 3,33
